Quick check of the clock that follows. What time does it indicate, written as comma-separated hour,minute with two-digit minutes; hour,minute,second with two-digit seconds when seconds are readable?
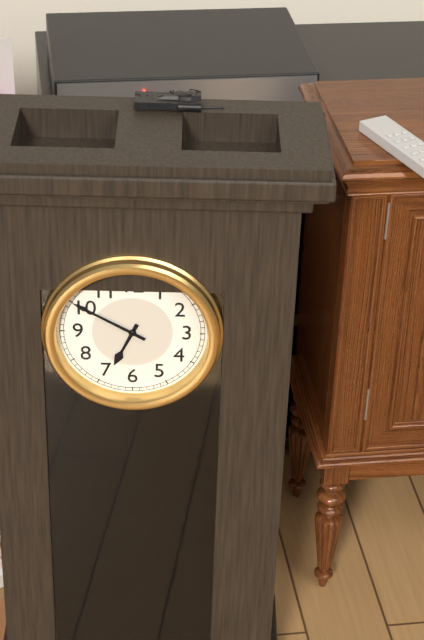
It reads 6,50
